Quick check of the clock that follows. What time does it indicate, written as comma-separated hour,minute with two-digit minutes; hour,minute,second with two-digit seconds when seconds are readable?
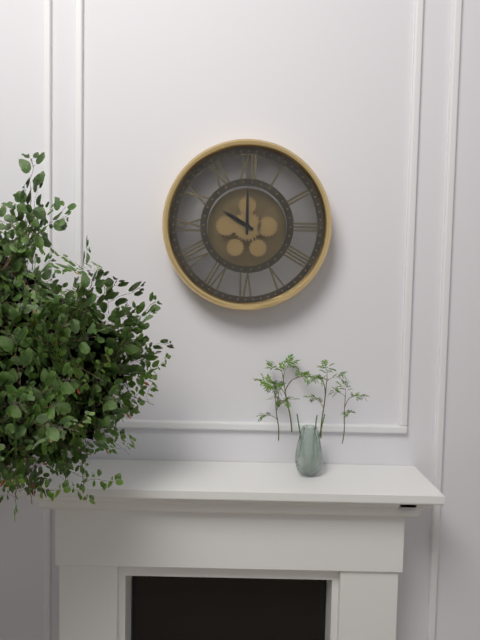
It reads 10,00
